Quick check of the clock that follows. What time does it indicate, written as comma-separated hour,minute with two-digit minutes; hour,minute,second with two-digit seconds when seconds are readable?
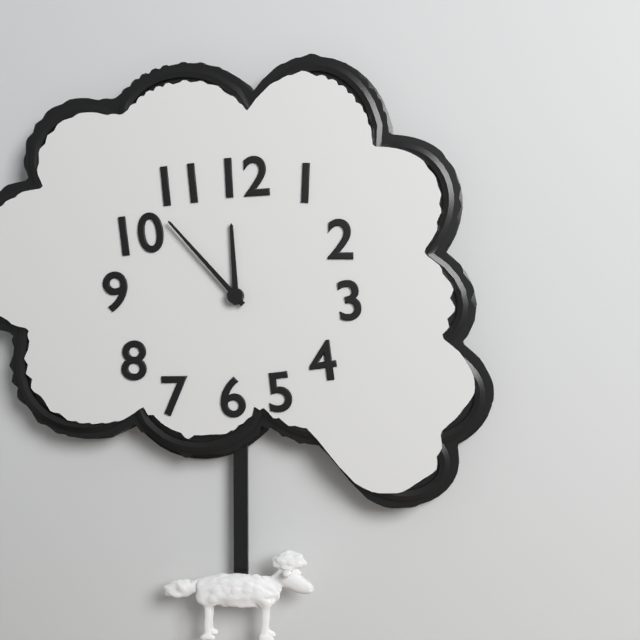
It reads 11,53
